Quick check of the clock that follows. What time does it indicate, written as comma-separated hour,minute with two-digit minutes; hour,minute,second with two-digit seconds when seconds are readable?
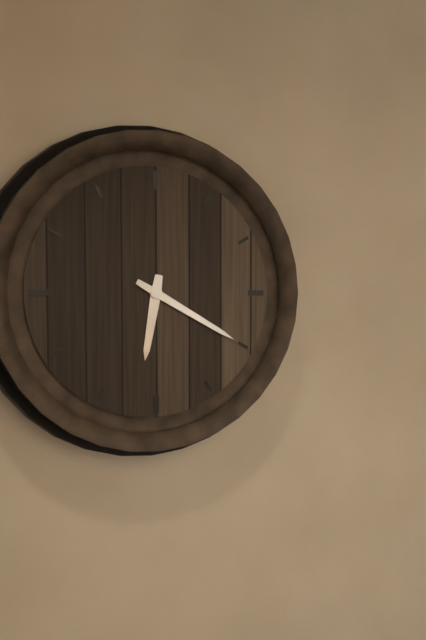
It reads 6,20
